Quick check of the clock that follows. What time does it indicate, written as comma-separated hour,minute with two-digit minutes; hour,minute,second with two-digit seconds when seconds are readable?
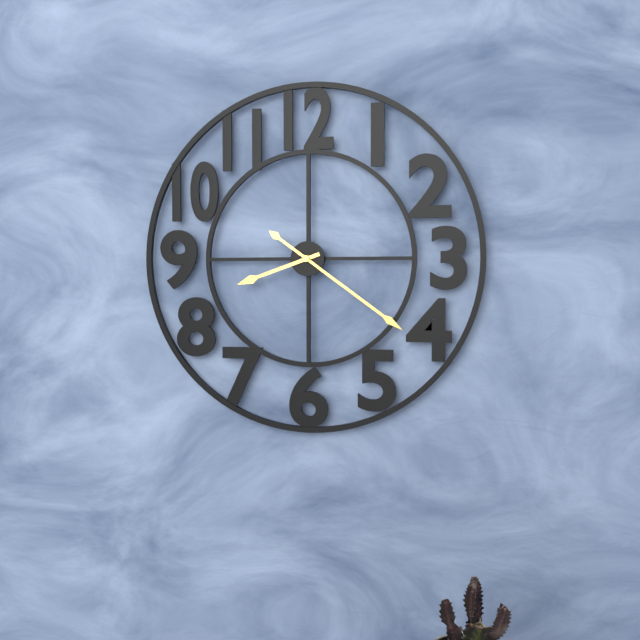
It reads 8,21
